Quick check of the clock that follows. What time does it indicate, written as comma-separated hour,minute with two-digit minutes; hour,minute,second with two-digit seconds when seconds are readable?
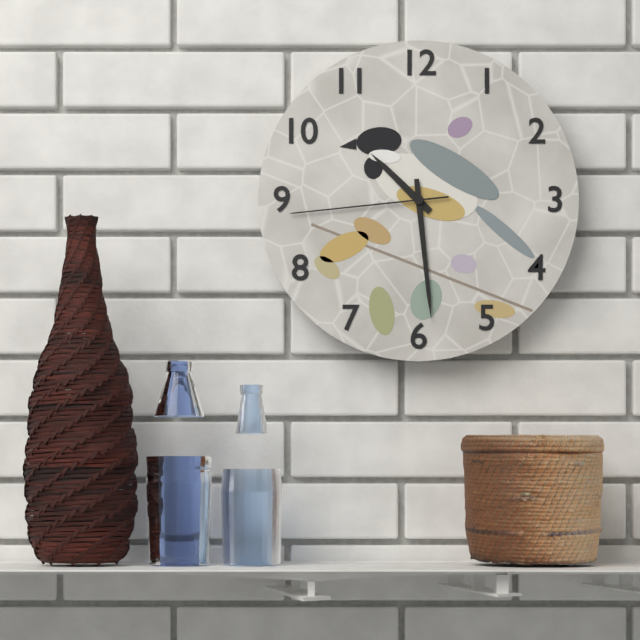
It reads 10,29,44
